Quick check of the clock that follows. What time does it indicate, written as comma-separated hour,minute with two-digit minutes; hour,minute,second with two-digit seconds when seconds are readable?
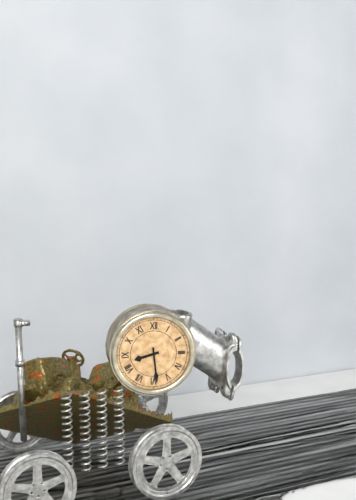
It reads 8,29
